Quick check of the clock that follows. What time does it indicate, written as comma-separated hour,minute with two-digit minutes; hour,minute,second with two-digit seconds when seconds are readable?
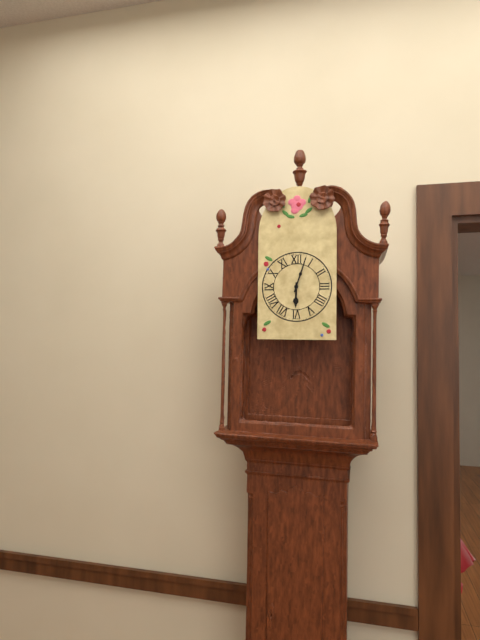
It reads 6,03
